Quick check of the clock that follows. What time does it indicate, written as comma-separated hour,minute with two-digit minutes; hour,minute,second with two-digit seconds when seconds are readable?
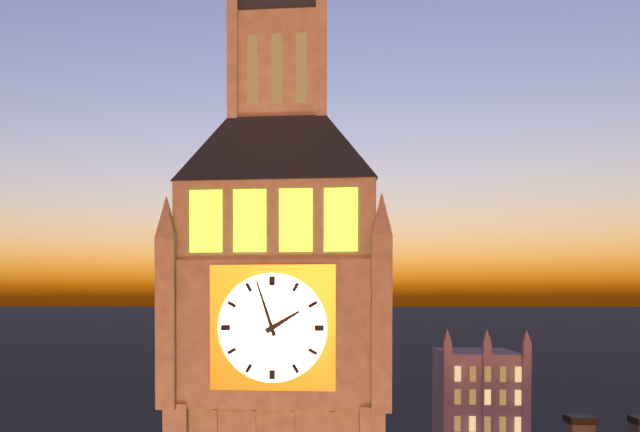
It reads 1,57
